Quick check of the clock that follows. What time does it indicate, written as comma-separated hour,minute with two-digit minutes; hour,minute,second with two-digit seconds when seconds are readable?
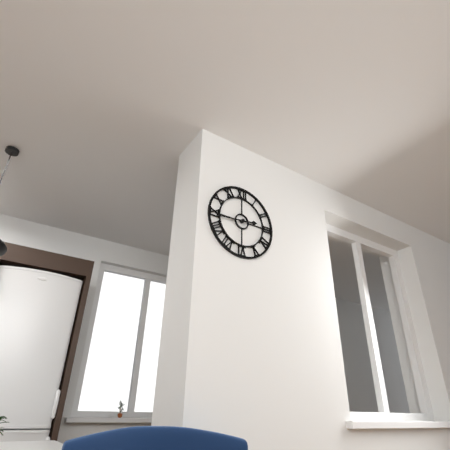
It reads 2,44
